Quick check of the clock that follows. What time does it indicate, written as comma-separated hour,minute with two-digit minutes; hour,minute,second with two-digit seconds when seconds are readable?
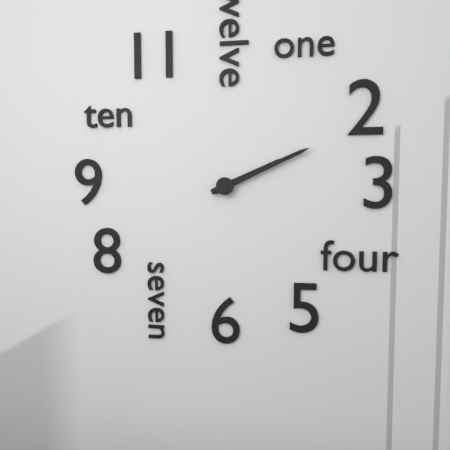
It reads 2,11
